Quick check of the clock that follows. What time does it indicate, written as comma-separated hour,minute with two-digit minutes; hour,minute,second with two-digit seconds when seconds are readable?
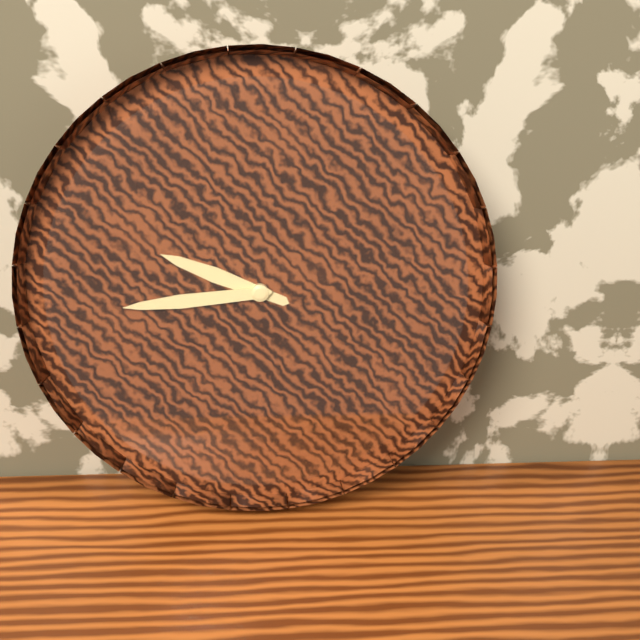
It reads 9,44
